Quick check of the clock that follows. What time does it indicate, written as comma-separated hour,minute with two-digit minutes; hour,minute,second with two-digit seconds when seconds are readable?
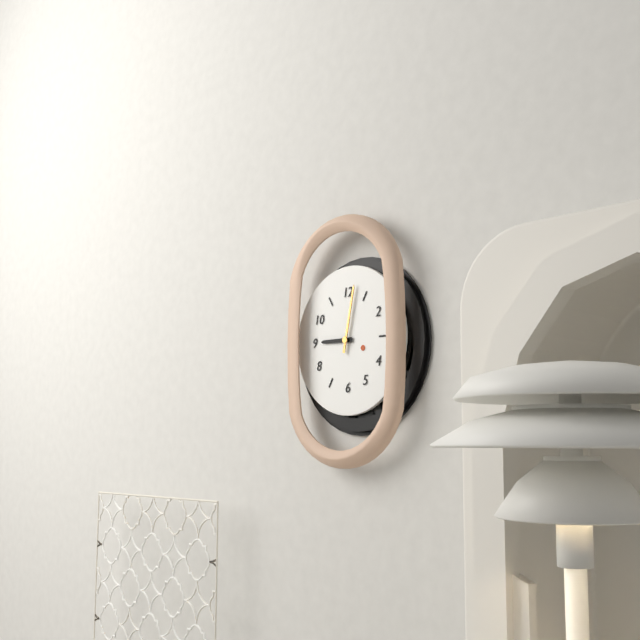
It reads 9,02
